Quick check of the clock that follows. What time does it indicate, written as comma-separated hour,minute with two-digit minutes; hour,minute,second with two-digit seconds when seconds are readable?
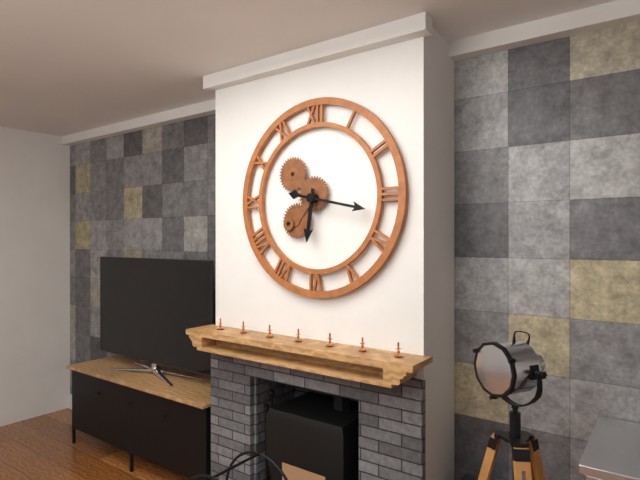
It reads 6,17
